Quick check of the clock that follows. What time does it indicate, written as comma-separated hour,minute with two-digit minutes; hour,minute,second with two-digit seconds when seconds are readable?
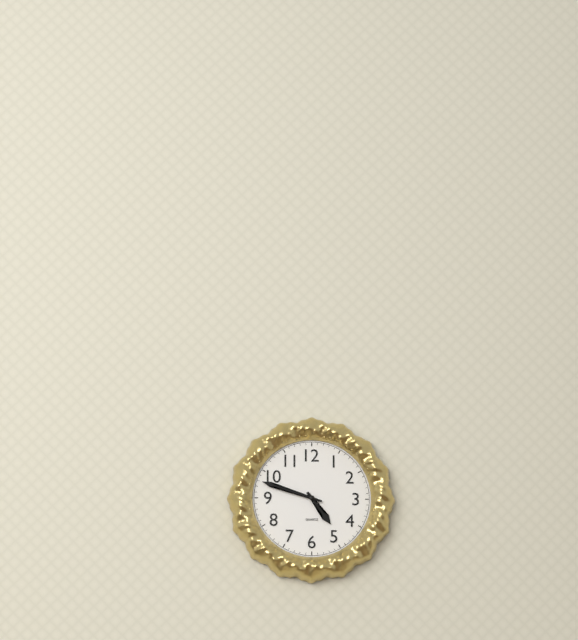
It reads 4,48
